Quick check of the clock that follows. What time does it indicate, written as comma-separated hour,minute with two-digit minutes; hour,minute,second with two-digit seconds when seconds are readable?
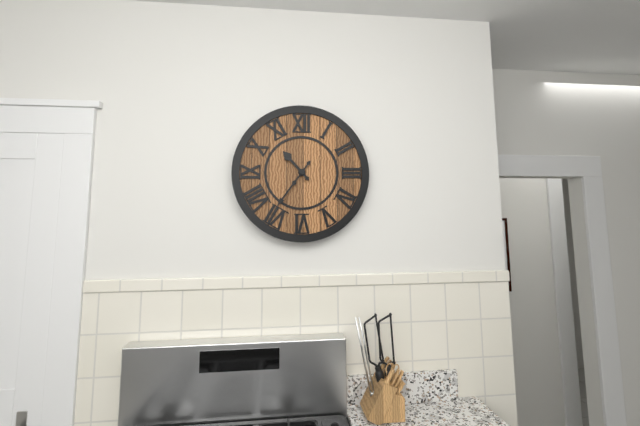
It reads 10,36
